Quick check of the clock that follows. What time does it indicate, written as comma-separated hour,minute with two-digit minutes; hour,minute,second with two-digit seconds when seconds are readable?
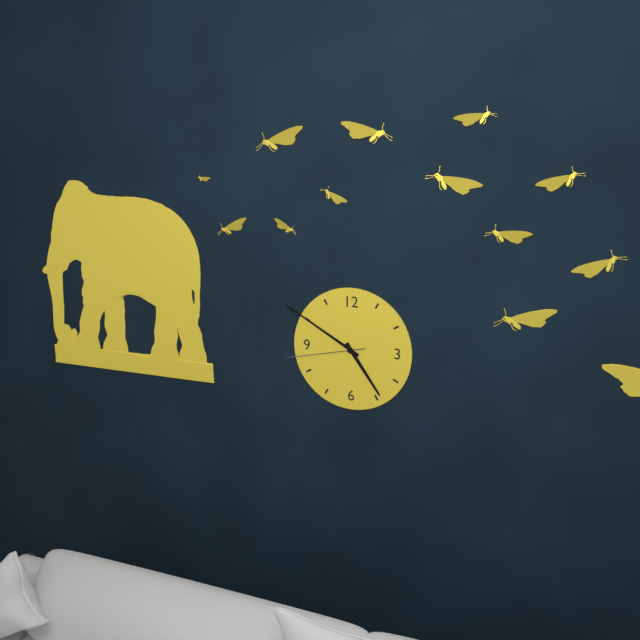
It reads 4,50,43
